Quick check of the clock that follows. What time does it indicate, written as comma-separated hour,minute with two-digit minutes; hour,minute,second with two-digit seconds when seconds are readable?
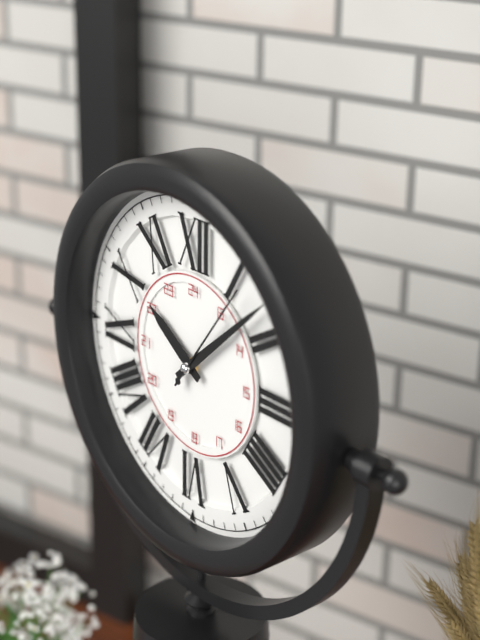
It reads 10,08,06
